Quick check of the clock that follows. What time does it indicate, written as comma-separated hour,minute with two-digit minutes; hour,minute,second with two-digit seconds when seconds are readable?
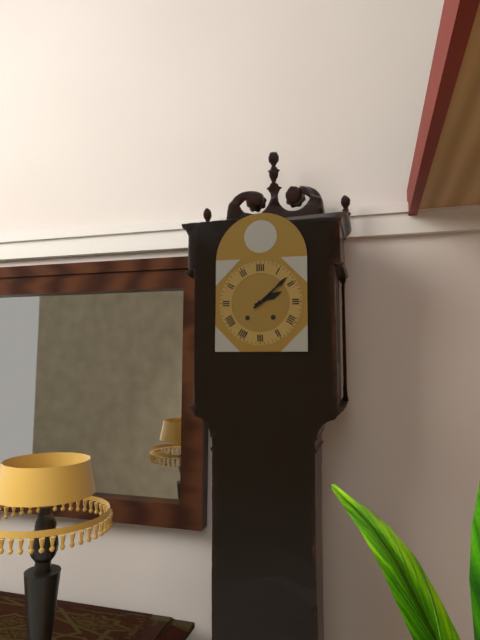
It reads 2,08
